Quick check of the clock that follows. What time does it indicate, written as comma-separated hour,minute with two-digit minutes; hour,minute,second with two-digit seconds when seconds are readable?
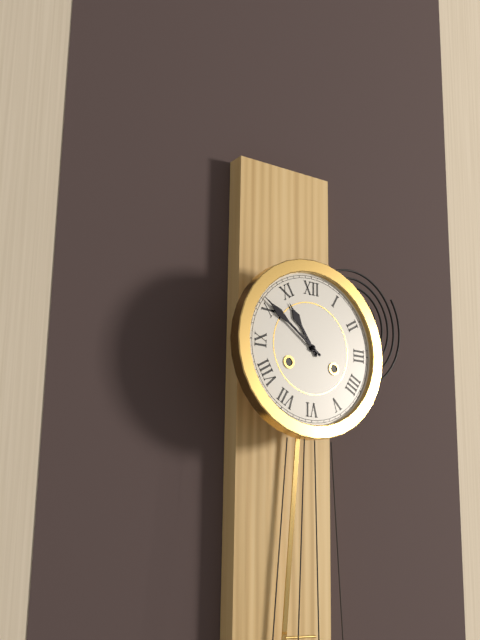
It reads 10,51
